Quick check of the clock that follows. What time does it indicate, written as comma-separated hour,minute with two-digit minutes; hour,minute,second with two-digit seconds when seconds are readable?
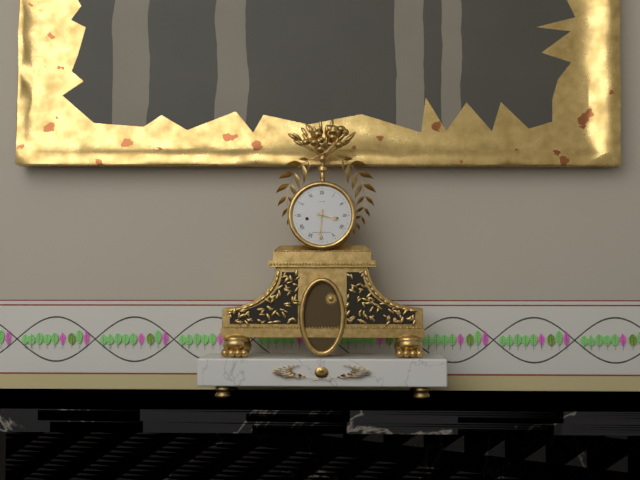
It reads 3,31
